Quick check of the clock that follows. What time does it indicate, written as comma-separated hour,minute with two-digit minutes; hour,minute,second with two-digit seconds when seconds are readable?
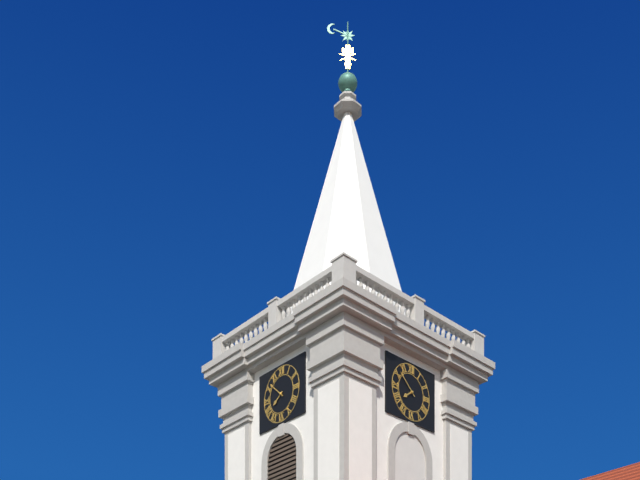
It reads 7,52
